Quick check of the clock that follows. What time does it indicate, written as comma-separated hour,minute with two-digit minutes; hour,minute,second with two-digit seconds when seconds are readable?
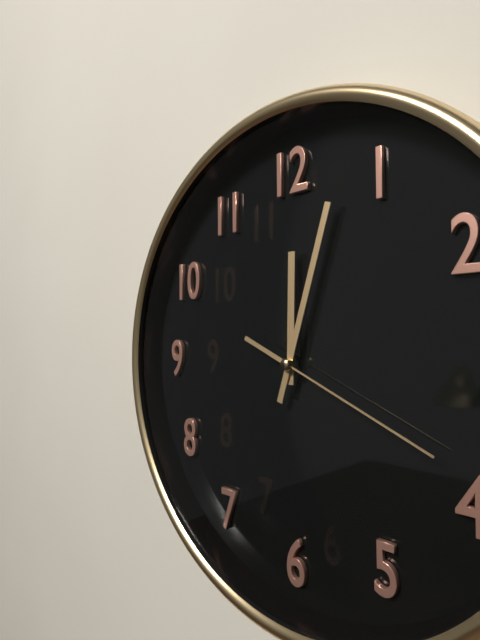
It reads 12,03,19
